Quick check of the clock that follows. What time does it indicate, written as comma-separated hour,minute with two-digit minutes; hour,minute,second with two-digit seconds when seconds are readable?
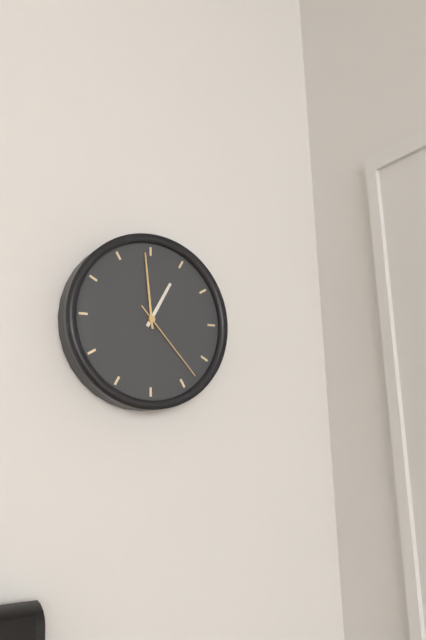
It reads 12,59,23
